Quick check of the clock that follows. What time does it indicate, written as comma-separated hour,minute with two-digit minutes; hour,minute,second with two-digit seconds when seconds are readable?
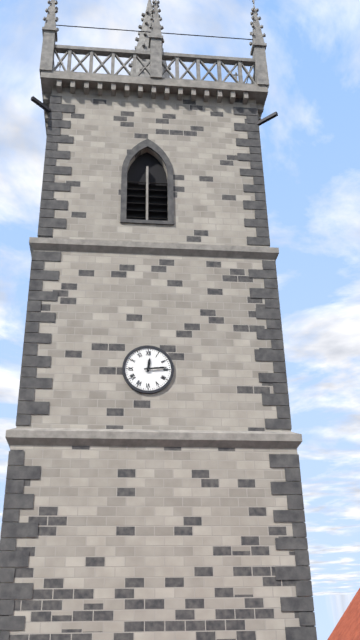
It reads 12,14
